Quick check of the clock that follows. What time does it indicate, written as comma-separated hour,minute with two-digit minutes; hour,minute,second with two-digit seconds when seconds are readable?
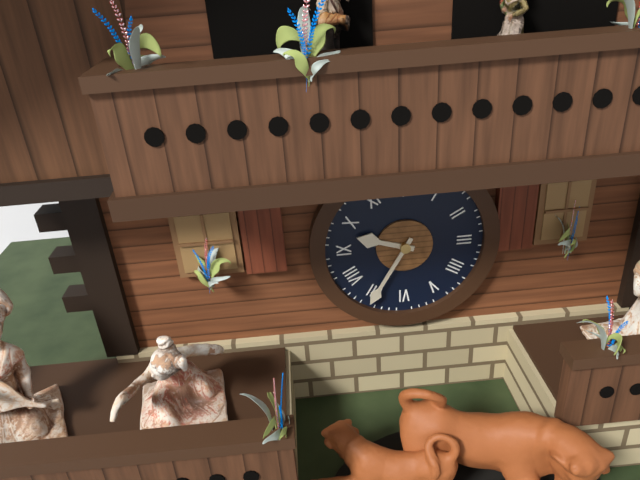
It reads 9,35
